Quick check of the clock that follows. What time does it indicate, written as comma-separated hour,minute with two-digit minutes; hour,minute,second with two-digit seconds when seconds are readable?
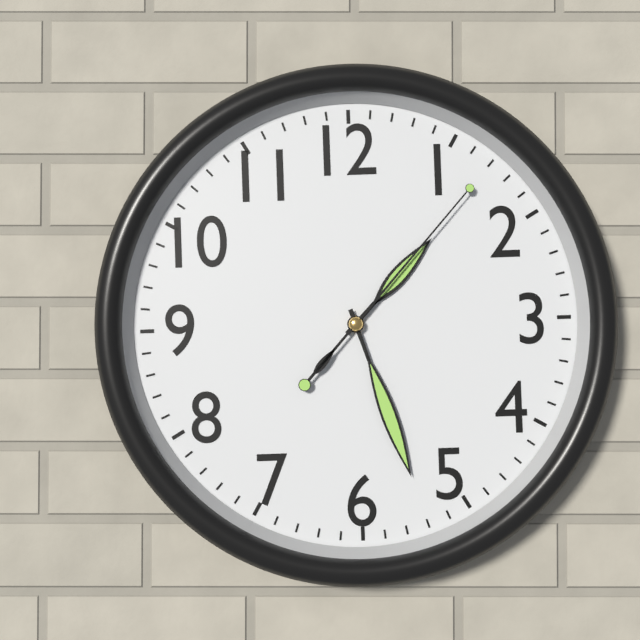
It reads 1,27,07
